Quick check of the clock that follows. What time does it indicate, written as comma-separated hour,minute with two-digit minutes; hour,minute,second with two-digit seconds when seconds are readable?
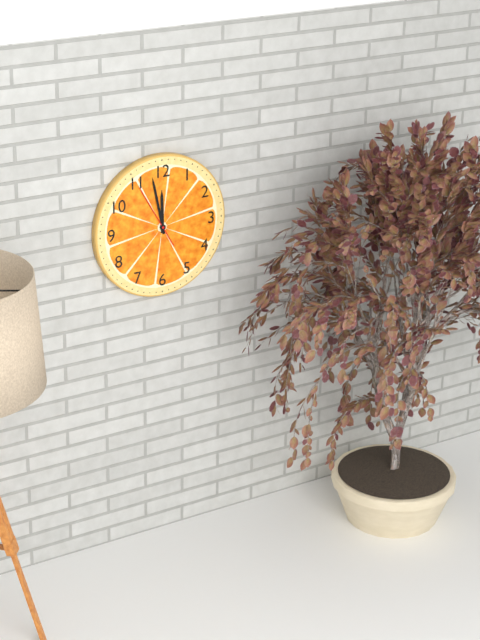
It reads 11,58,55
